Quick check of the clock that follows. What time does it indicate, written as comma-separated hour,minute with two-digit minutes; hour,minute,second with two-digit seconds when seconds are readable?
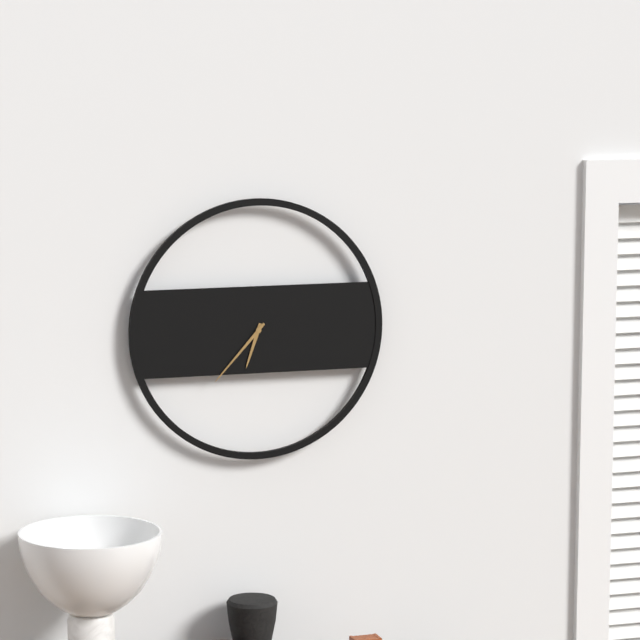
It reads 6,37
